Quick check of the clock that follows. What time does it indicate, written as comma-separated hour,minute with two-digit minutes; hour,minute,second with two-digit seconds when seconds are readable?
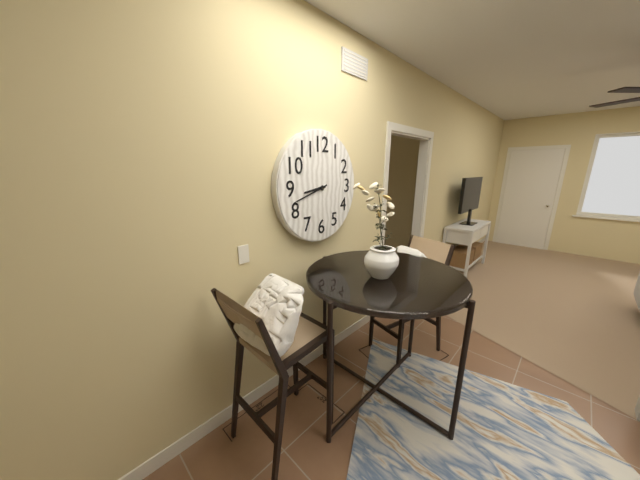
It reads 8,42
